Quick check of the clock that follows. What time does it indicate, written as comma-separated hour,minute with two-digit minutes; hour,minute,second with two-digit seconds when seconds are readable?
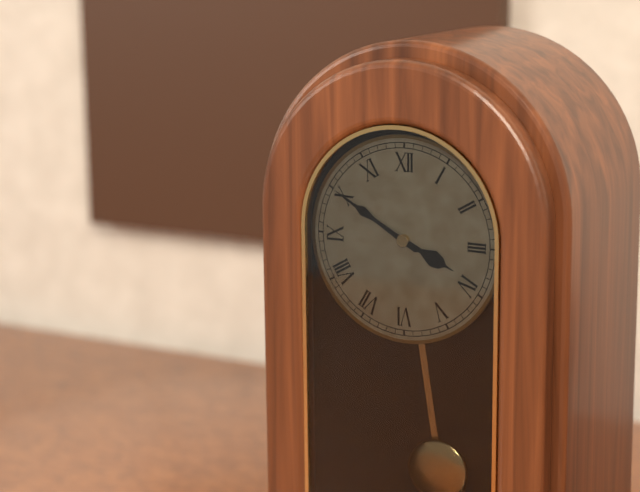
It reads 3,50
